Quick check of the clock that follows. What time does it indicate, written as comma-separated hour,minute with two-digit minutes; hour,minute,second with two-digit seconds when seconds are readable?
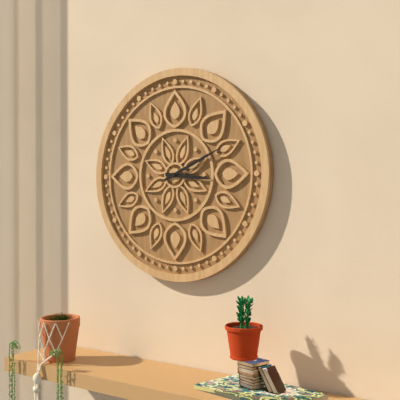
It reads 3,11
